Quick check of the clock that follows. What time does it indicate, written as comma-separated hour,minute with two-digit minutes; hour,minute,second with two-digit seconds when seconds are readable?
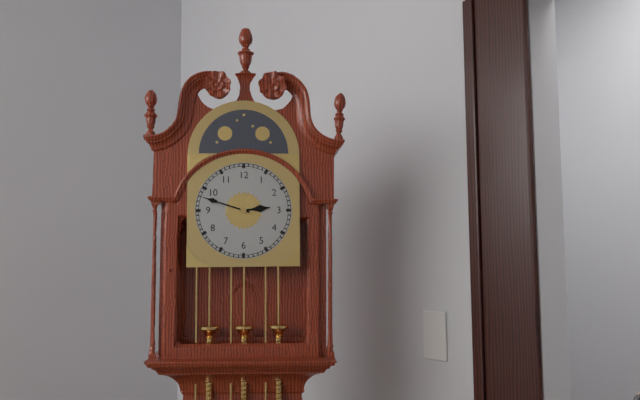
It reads 2,48
